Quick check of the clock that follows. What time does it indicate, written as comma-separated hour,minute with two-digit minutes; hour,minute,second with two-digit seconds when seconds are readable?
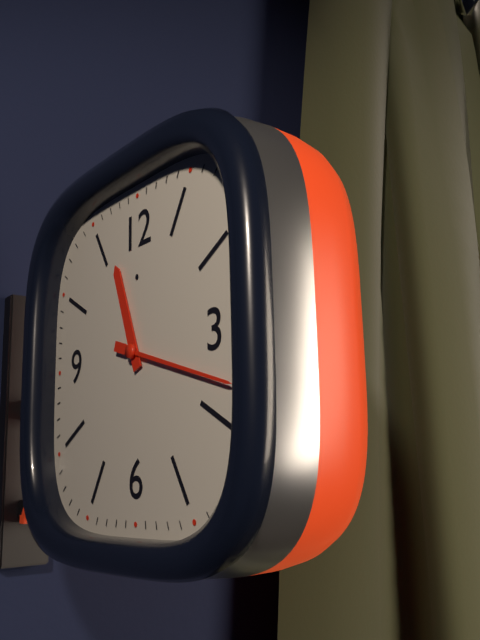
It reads 11,18
